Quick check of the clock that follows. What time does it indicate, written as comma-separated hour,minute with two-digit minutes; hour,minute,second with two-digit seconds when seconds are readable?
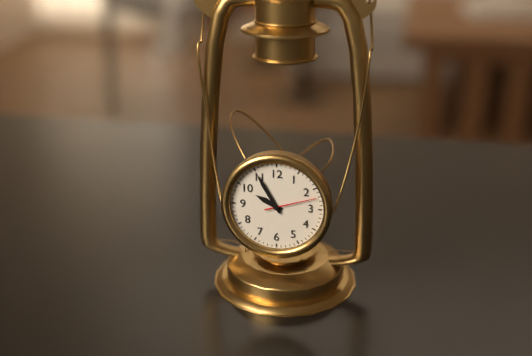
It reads 9,55,12
